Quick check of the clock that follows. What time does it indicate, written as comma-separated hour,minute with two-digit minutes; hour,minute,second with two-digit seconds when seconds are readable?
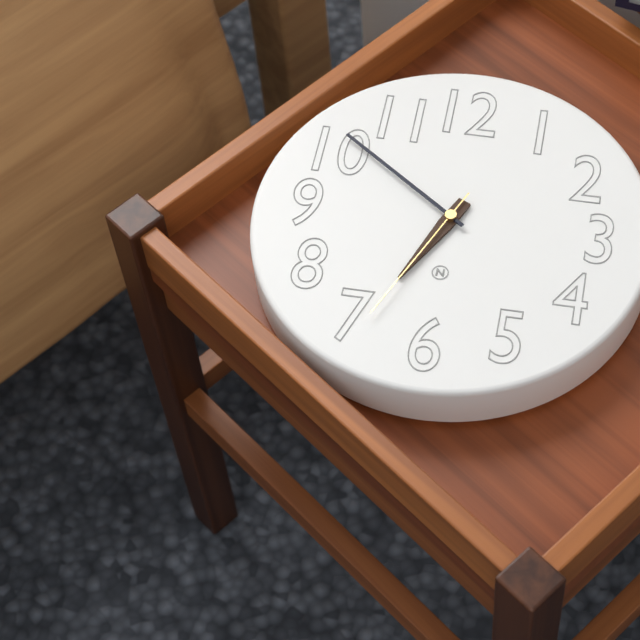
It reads 6,51,34
